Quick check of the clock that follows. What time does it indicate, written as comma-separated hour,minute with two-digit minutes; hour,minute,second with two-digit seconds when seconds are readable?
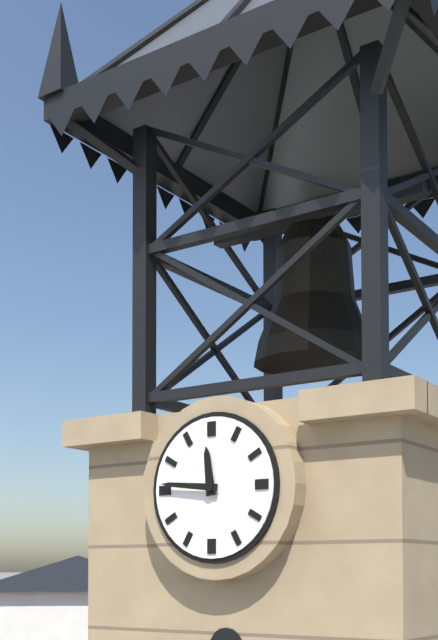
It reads 11,46
